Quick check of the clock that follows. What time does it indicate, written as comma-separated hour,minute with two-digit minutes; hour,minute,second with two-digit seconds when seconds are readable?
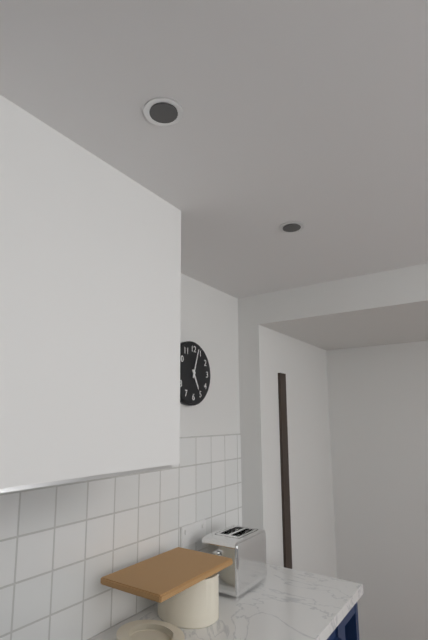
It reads 5,03
